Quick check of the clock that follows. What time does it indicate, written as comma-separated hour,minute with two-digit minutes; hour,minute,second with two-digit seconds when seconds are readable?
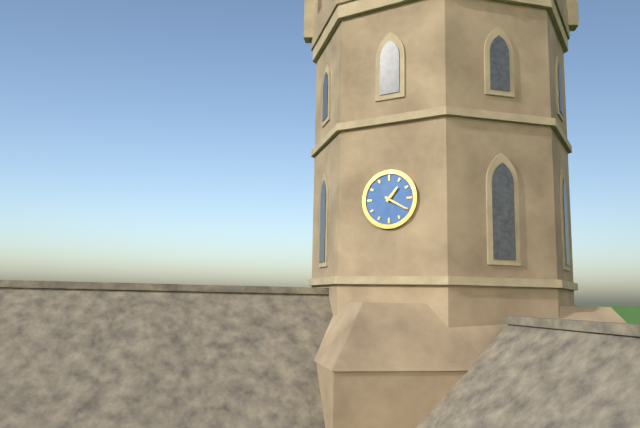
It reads 1,20
